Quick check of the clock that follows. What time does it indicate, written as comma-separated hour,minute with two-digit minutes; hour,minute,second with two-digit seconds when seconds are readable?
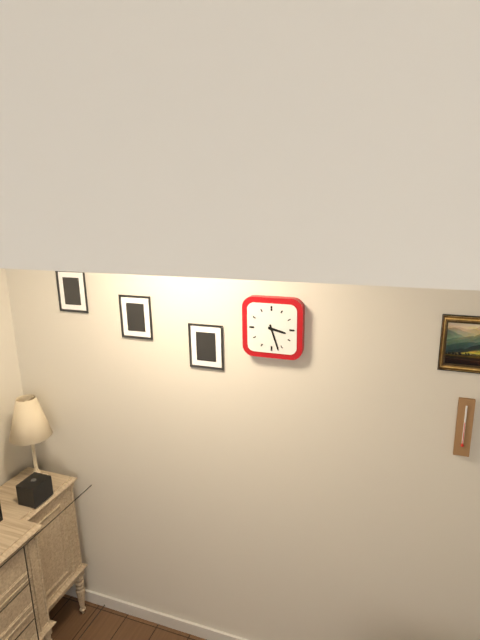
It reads 3,27
